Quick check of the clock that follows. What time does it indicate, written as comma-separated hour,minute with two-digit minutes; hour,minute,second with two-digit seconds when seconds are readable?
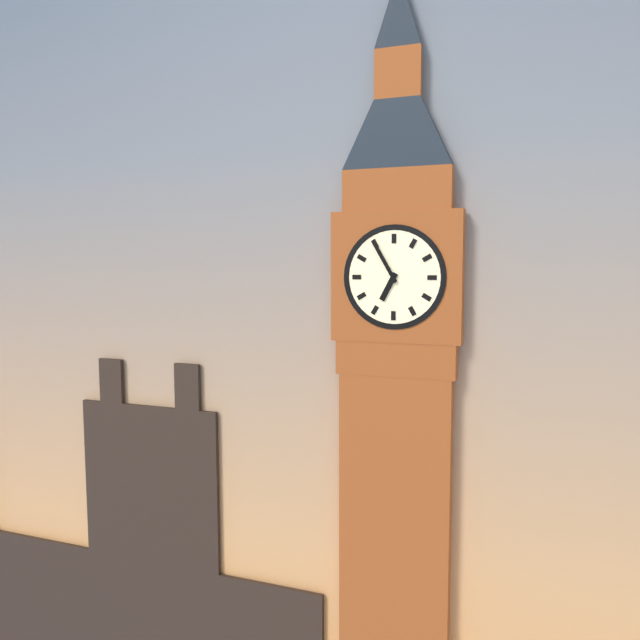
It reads 6,55
